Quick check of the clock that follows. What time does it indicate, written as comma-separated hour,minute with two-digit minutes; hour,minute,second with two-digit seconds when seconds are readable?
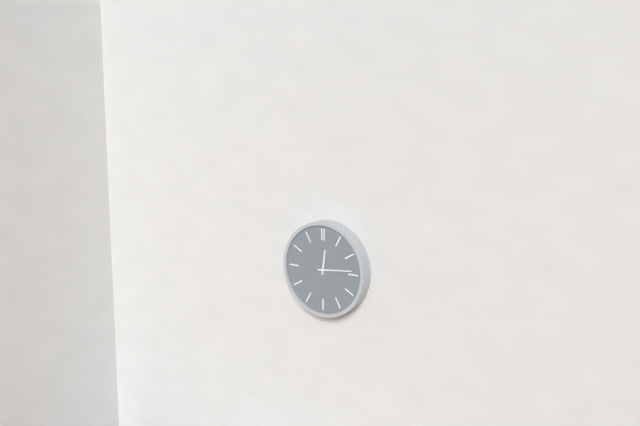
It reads 12,14
